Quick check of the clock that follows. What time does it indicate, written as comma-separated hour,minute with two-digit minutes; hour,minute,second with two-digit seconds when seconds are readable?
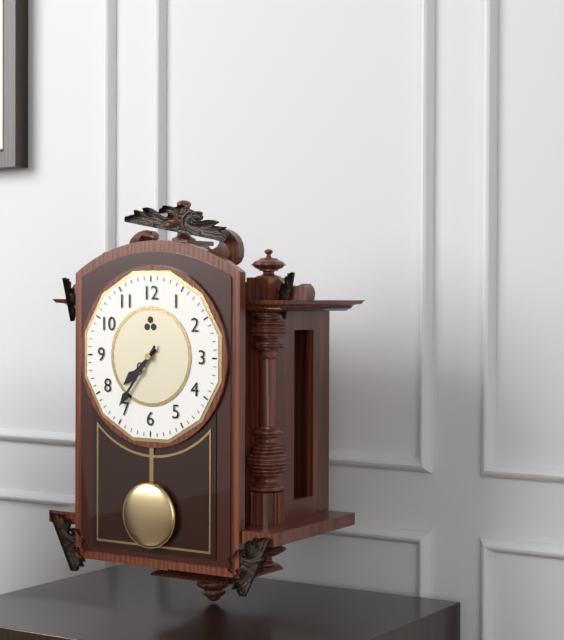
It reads 7,36
